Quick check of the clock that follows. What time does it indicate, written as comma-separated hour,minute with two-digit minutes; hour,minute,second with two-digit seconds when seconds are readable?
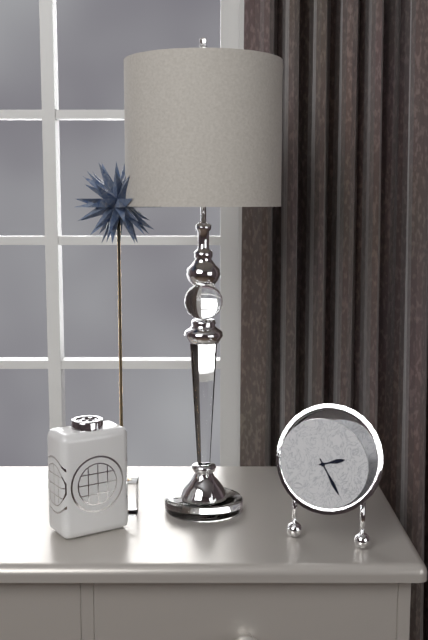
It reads 2,25
